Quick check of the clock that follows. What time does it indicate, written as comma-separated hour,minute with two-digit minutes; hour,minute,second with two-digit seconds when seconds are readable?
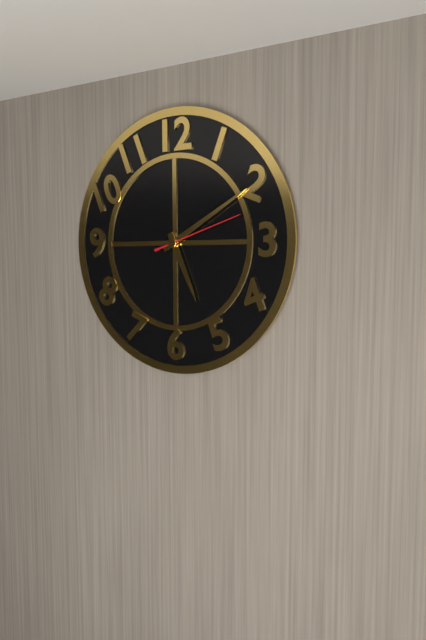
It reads 5,10,12
